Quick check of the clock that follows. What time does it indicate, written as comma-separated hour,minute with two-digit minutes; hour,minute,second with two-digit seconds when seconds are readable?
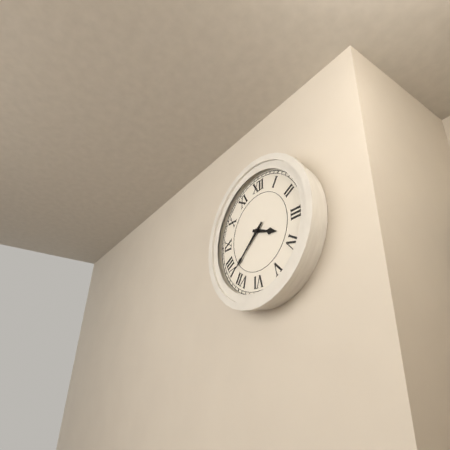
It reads 3,38
